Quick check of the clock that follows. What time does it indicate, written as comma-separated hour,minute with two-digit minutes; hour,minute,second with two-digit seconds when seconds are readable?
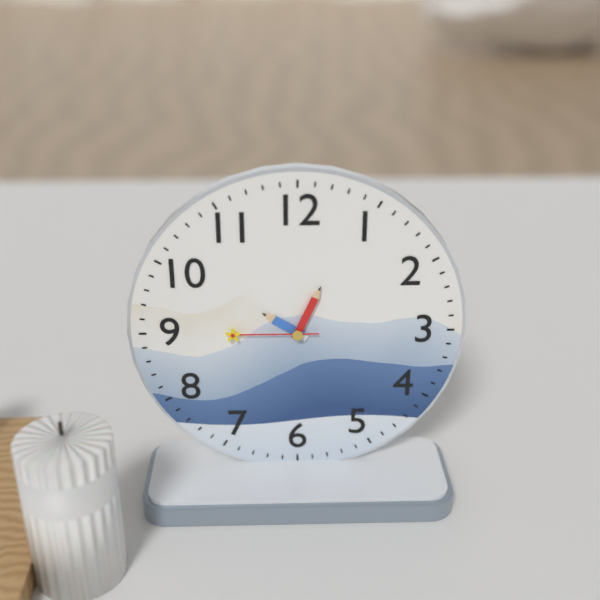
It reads 10,04,45
